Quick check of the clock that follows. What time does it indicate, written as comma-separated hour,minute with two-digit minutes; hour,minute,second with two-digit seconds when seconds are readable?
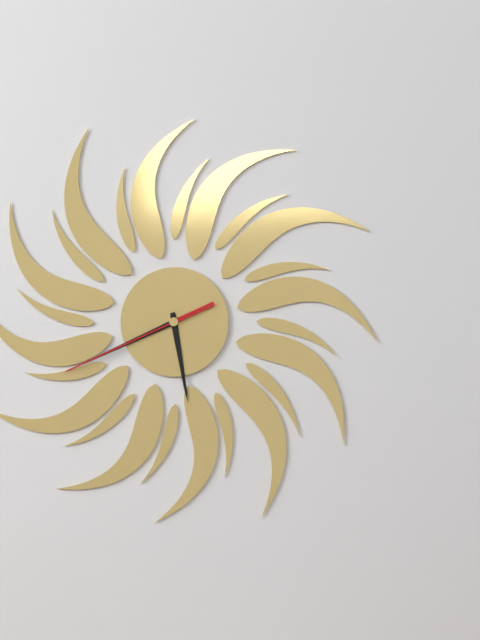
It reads 5,41,41
